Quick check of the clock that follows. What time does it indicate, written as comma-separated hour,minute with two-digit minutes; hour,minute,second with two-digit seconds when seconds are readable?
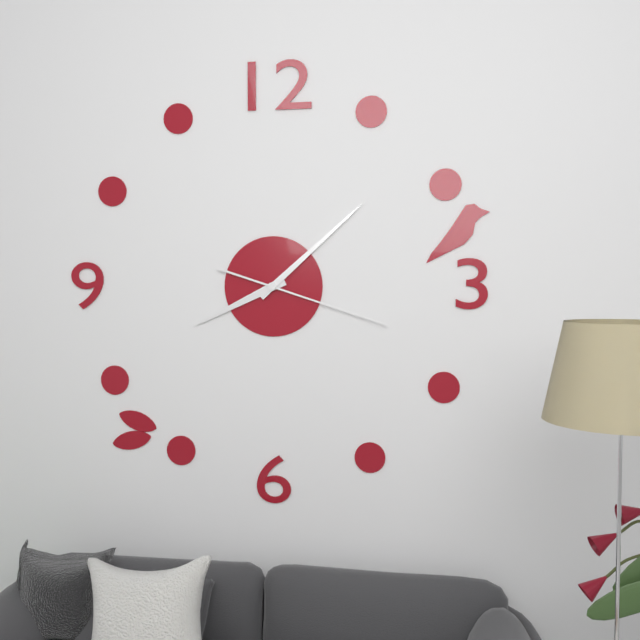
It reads 8,08,18
